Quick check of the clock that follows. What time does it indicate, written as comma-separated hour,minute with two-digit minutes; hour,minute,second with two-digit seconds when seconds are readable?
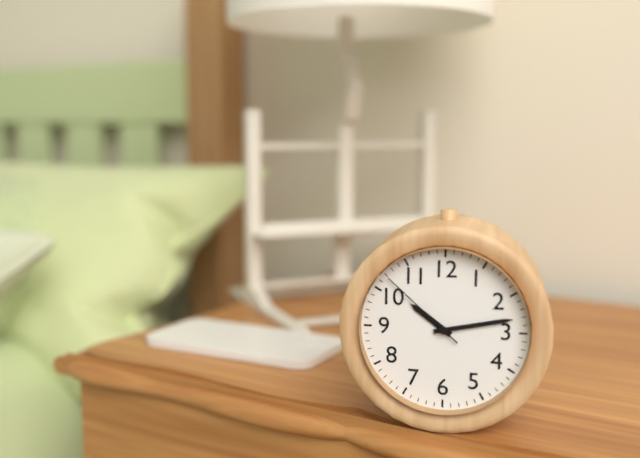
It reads 10,13,52
